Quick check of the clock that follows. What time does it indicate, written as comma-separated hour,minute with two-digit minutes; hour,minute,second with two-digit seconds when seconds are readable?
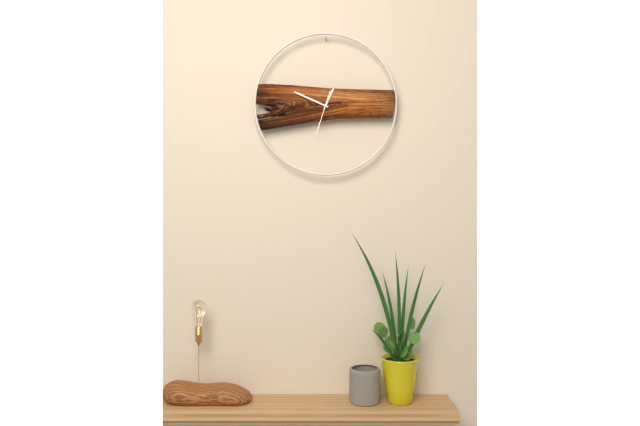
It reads 12,49
